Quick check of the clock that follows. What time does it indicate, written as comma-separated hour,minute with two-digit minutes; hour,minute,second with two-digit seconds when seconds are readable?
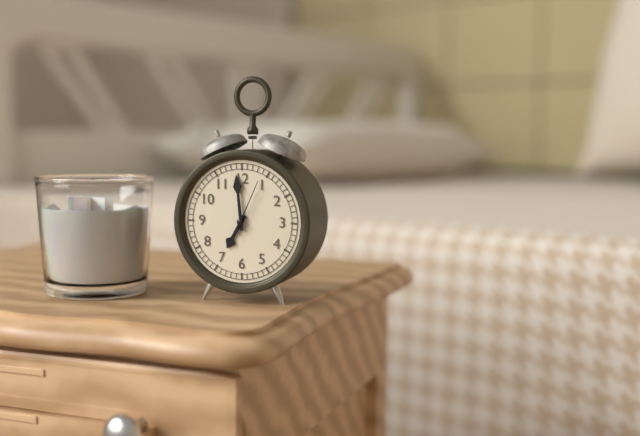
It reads 6,59,04
